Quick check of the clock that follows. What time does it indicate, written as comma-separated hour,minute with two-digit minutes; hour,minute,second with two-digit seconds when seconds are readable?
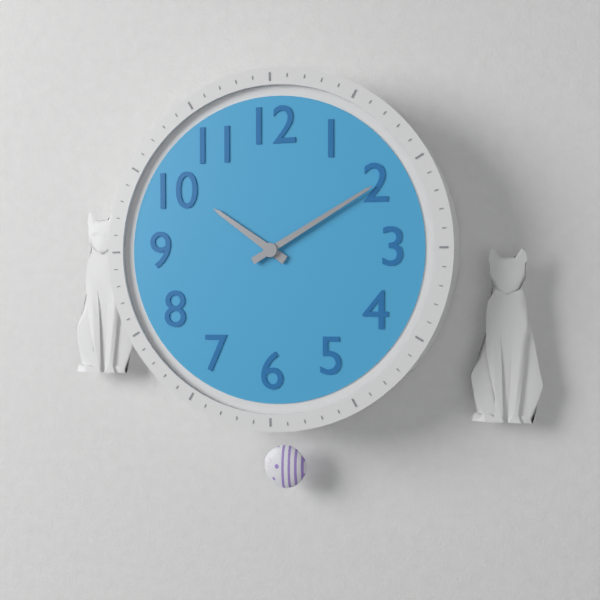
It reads 10,10
